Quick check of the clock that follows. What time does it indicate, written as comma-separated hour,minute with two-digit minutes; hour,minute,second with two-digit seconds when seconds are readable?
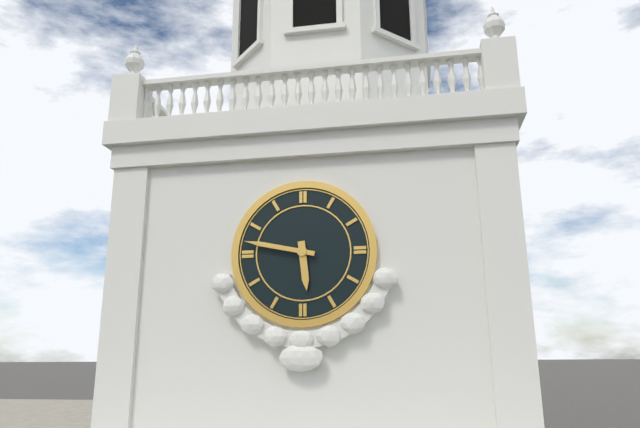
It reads 5,47
